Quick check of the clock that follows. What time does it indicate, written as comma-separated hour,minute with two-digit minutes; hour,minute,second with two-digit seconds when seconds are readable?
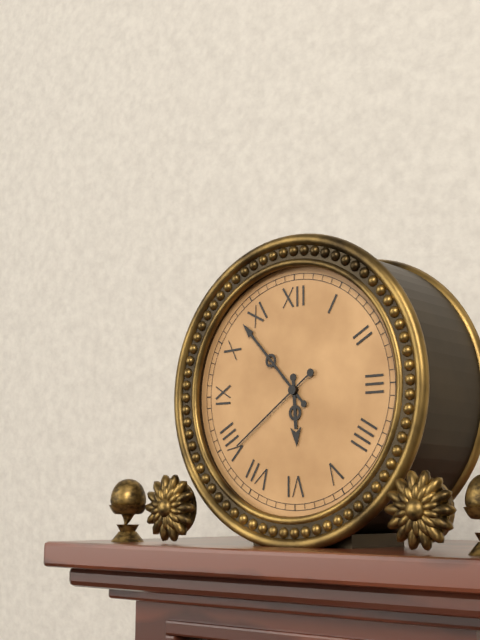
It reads 5,53,39
